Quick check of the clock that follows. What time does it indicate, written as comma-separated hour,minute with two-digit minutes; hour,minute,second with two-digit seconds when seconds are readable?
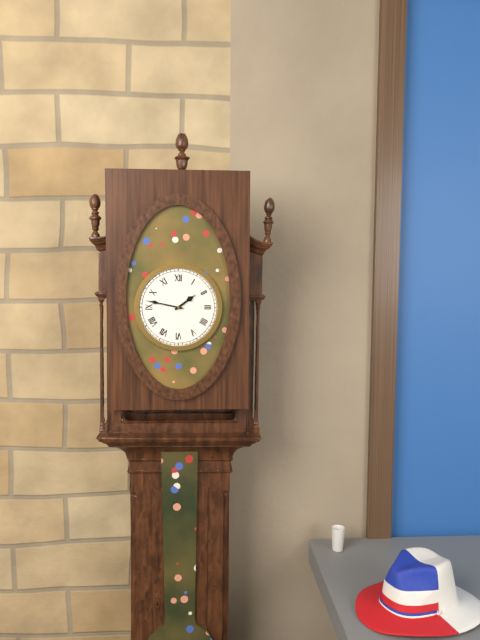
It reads 1,47
